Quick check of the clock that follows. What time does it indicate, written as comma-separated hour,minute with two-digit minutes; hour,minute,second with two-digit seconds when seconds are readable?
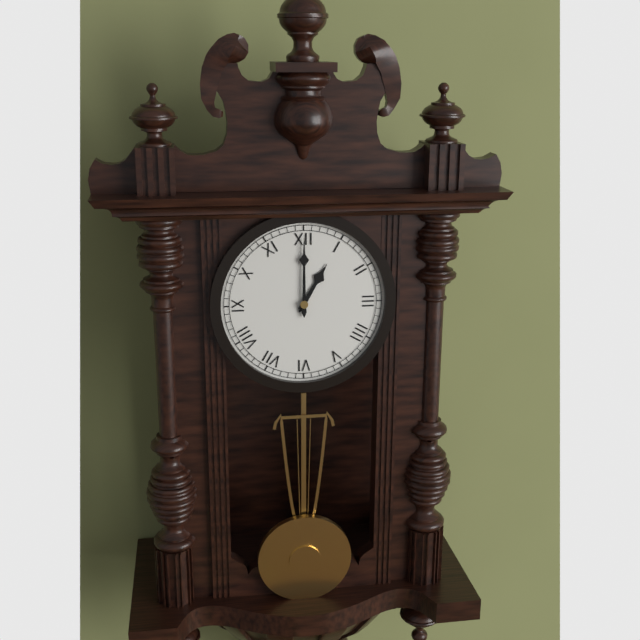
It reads 1,00
